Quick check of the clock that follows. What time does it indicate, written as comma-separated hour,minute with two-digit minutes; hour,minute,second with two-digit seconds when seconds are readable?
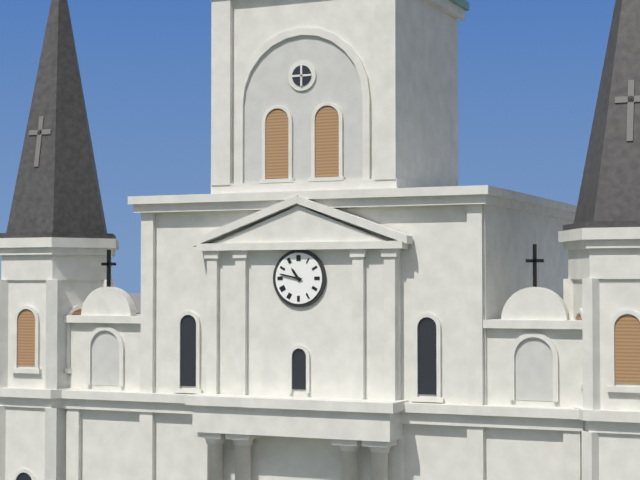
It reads 10,47
